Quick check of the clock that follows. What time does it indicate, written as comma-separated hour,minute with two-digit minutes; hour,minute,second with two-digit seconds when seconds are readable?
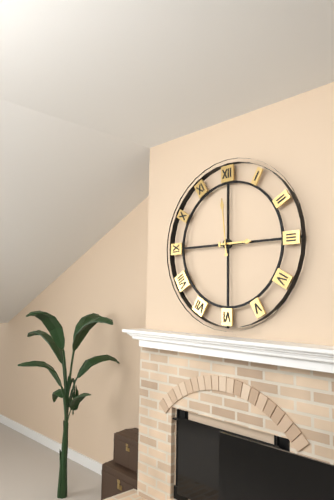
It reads 2,59
